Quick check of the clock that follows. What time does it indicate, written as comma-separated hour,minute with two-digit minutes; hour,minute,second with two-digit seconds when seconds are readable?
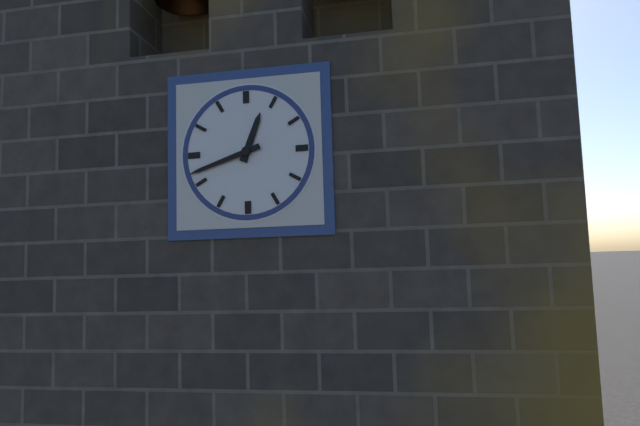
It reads 12,42
